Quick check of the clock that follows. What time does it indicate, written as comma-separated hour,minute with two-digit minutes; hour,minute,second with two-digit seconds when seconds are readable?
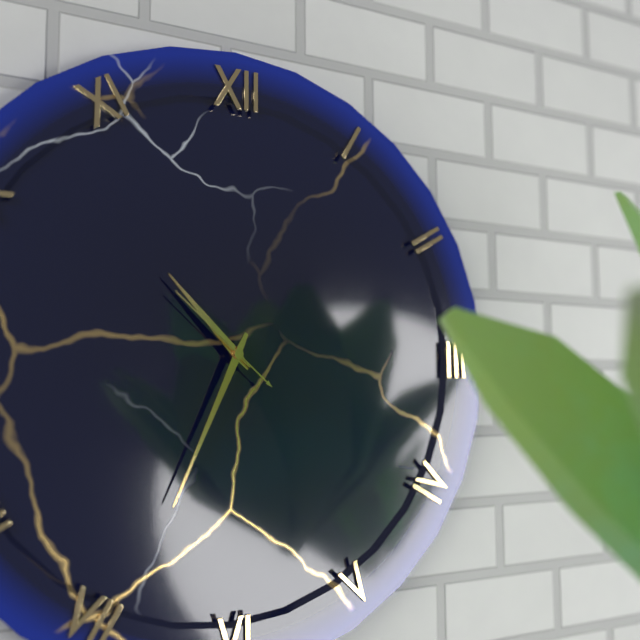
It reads 10,34,52
